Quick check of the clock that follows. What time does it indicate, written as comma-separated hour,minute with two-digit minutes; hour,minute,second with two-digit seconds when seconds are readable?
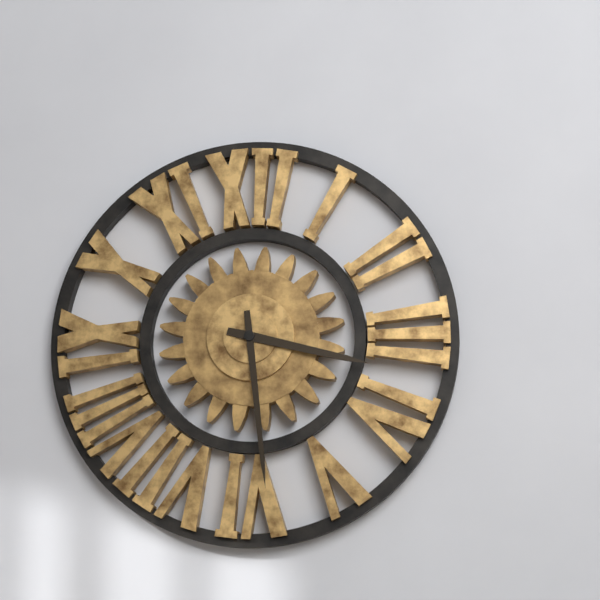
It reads 3,29
